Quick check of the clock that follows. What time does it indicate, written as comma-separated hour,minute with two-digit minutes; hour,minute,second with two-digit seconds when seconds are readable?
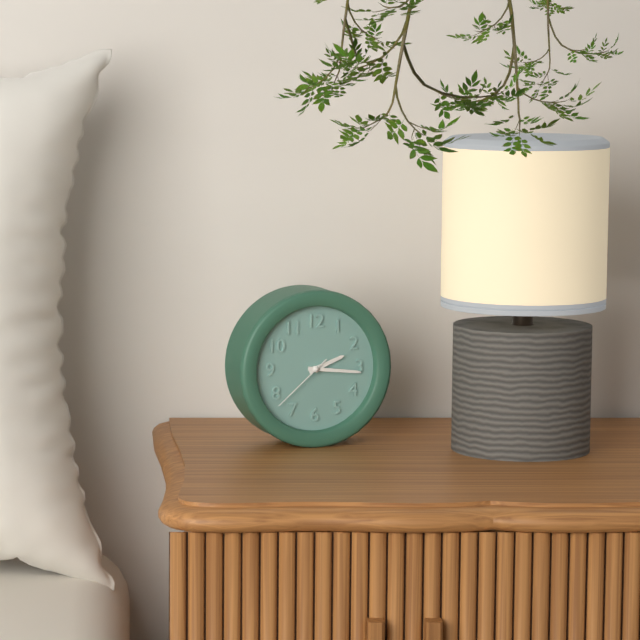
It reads 2,16,38
